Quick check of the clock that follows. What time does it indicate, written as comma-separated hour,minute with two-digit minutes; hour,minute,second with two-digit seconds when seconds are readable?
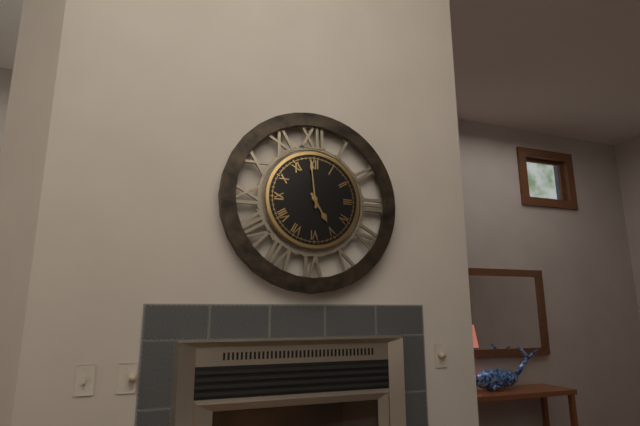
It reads 4,59
